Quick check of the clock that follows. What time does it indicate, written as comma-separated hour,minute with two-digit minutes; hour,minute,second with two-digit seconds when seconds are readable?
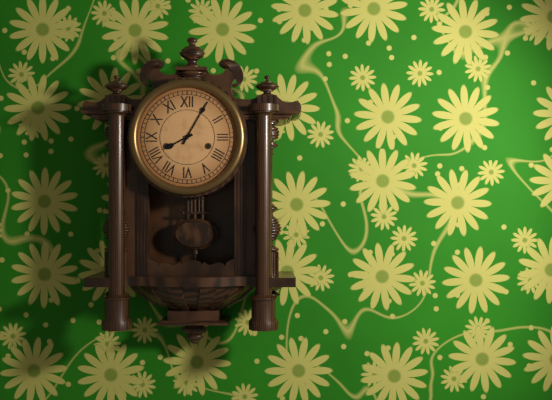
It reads 8,05
